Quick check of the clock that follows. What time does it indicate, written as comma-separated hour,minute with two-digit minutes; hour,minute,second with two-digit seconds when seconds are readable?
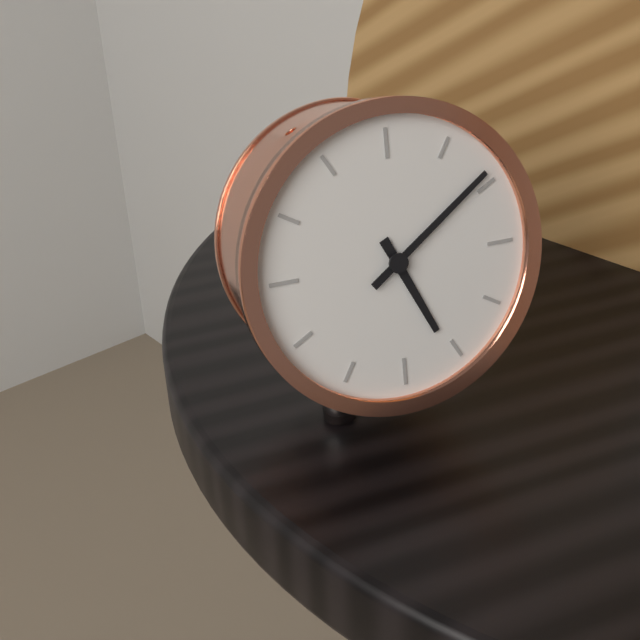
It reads 5,09
